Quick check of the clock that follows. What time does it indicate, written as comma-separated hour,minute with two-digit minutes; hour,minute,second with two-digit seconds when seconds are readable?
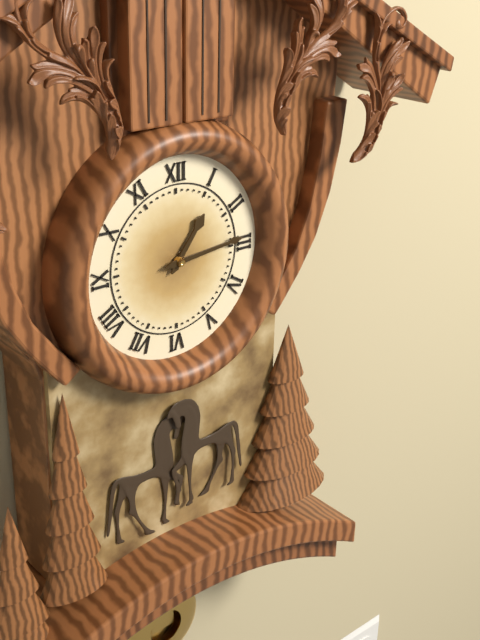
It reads 1,14
